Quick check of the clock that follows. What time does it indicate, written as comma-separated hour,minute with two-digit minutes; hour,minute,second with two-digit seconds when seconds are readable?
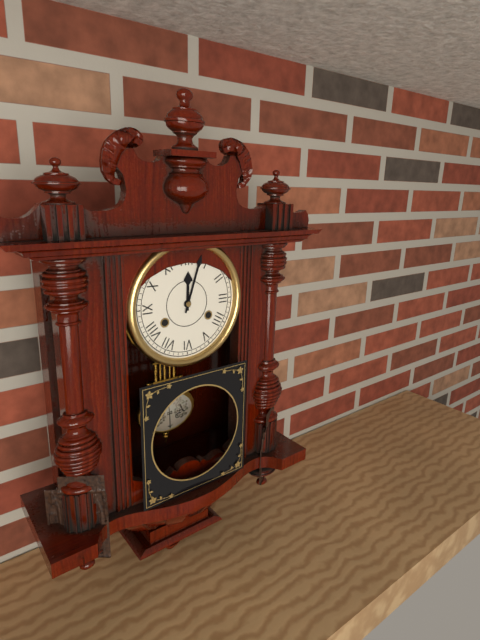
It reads 12,03
